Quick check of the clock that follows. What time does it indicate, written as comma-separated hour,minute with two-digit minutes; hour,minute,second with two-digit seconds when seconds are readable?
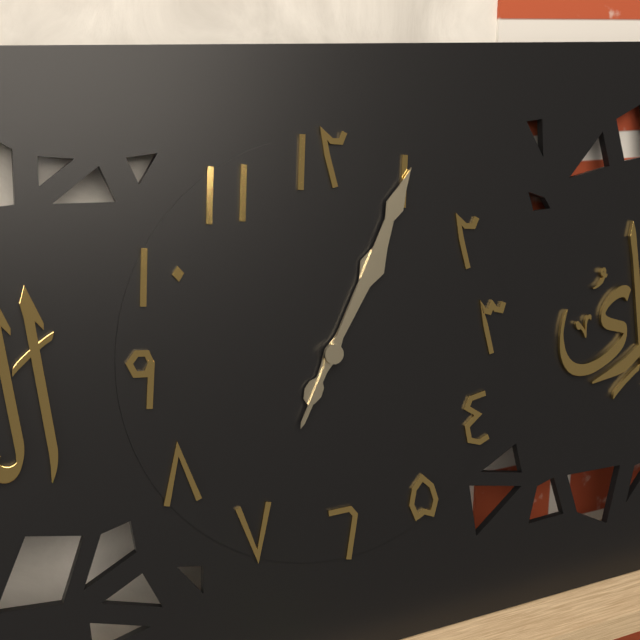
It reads 1,05
